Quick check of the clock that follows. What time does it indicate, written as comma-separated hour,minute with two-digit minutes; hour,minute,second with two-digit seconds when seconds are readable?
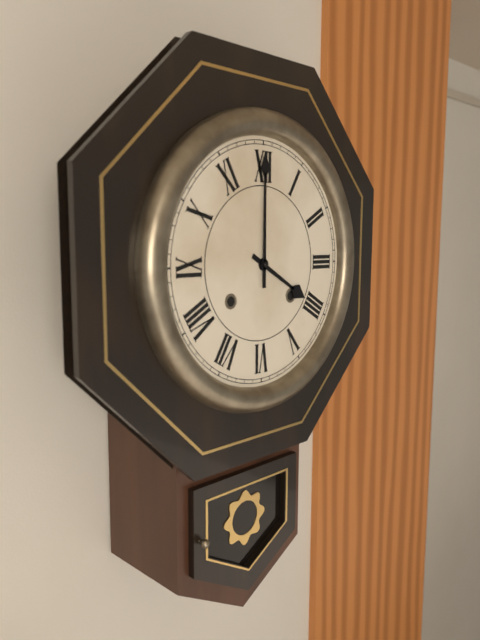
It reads 4,00
